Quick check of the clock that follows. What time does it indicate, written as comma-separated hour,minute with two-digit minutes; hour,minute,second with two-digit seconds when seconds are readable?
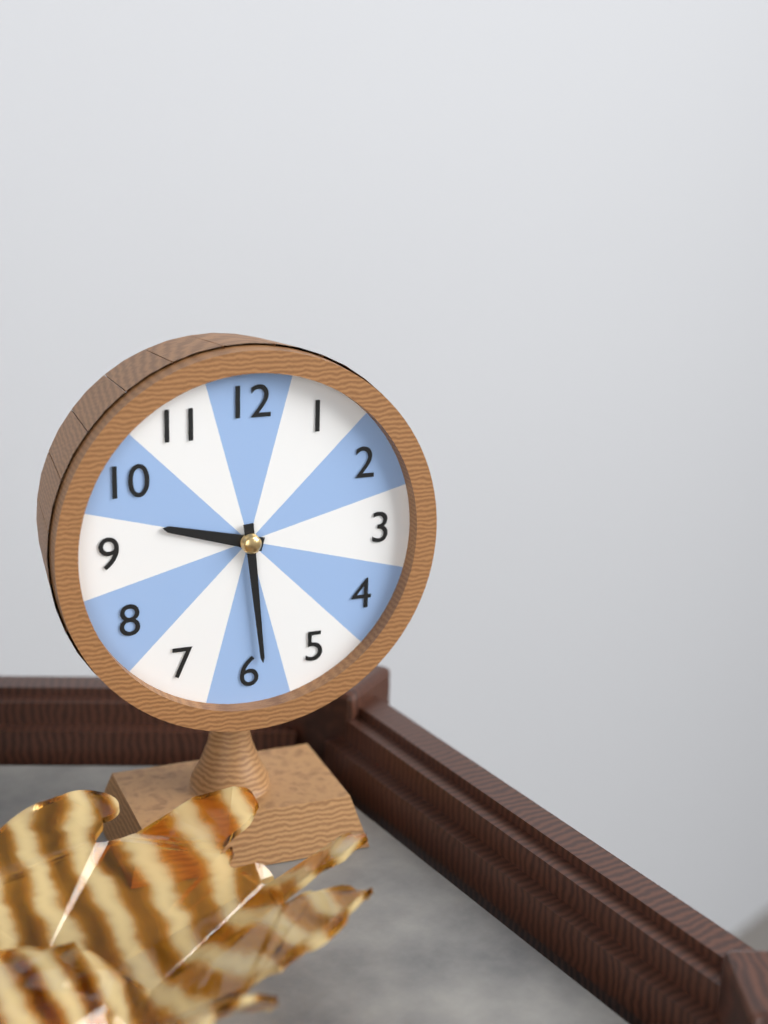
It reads 9,29
